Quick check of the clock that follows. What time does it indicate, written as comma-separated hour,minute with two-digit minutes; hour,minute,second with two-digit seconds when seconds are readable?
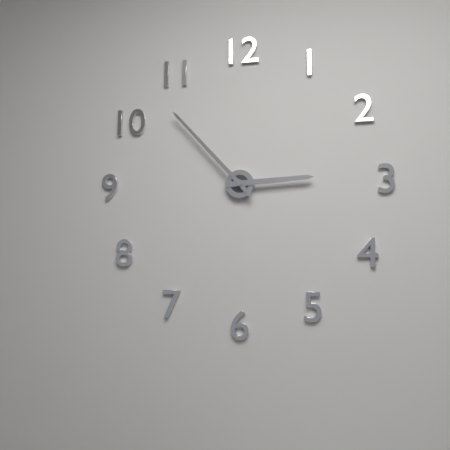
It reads 2,53
